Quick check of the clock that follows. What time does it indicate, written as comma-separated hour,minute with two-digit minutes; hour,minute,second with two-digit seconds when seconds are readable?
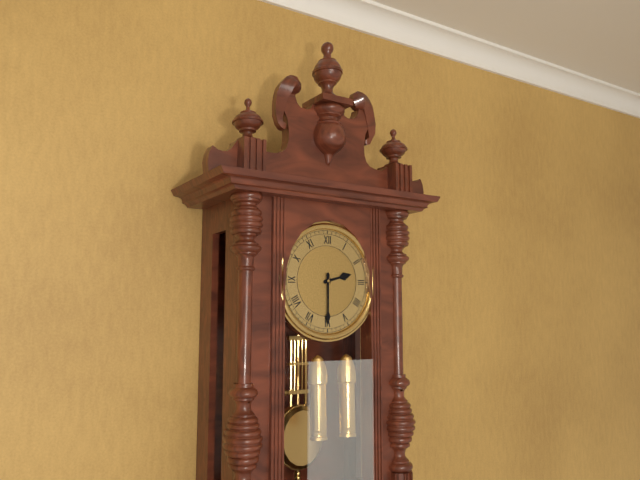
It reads 2,30
